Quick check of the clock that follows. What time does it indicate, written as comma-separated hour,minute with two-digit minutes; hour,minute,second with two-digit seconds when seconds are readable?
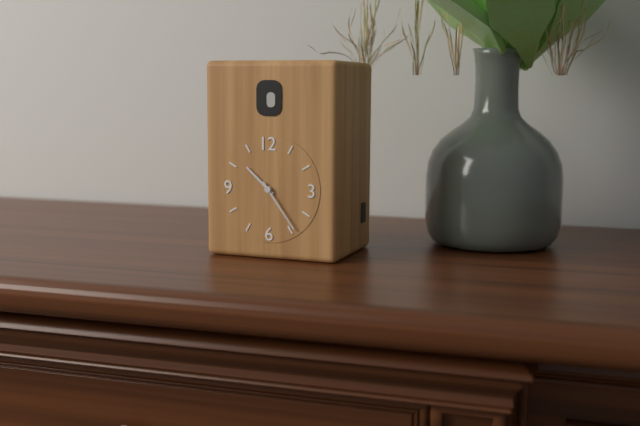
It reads 10,24
